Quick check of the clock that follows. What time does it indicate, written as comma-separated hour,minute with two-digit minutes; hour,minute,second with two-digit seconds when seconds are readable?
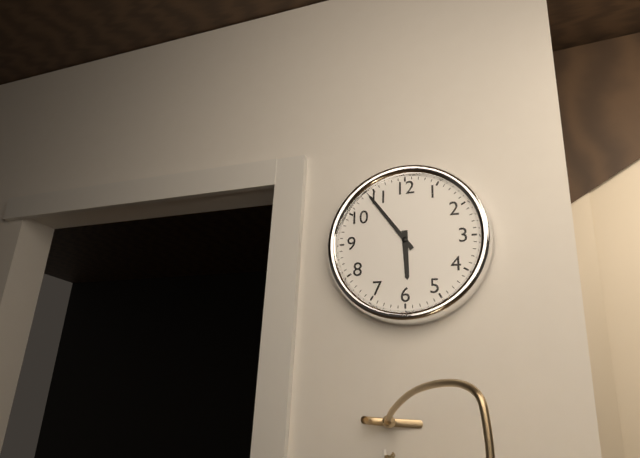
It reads 5,54
